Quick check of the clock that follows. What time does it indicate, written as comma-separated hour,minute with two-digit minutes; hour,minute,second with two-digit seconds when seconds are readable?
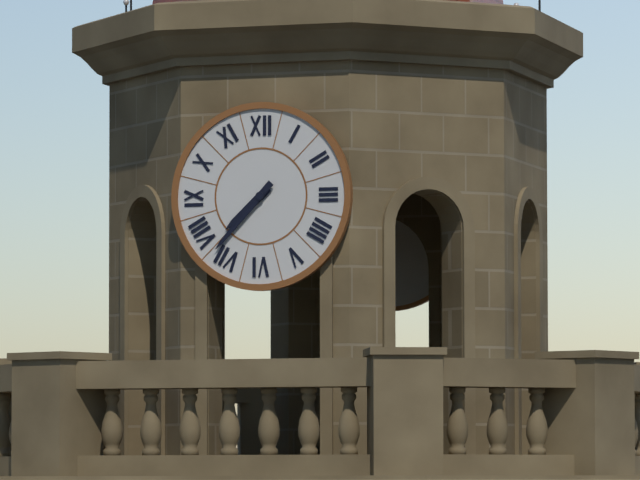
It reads 7,37
